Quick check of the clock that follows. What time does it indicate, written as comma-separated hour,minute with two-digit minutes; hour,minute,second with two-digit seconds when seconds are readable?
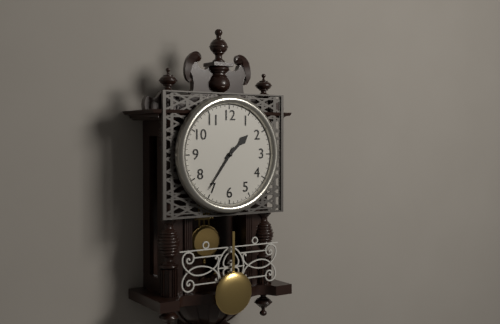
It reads 1,36
